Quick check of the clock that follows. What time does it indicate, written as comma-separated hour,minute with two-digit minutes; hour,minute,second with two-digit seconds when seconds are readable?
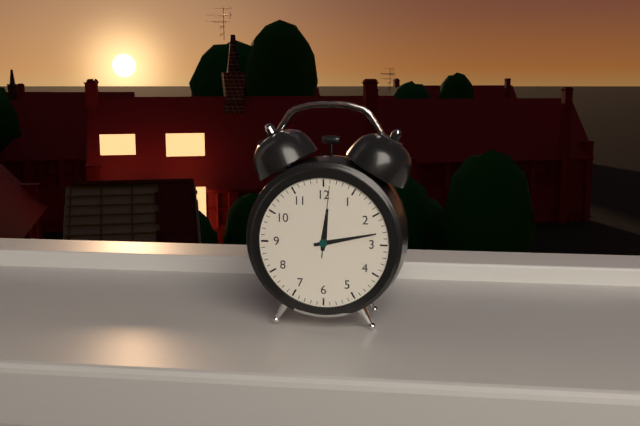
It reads 12,13,01
